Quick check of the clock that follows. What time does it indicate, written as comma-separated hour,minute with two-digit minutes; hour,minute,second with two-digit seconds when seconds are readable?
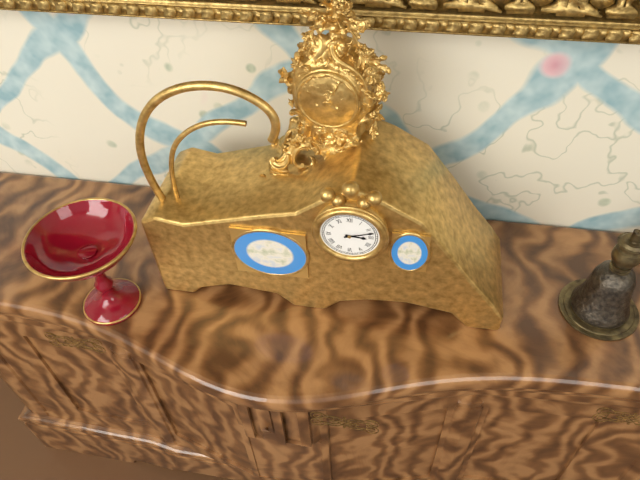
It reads 3,12
